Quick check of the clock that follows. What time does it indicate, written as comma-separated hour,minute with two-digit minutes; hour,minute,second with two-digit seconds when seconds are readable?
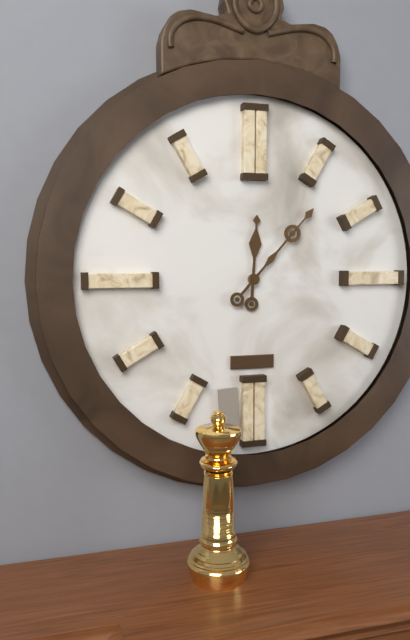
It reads 12,07
